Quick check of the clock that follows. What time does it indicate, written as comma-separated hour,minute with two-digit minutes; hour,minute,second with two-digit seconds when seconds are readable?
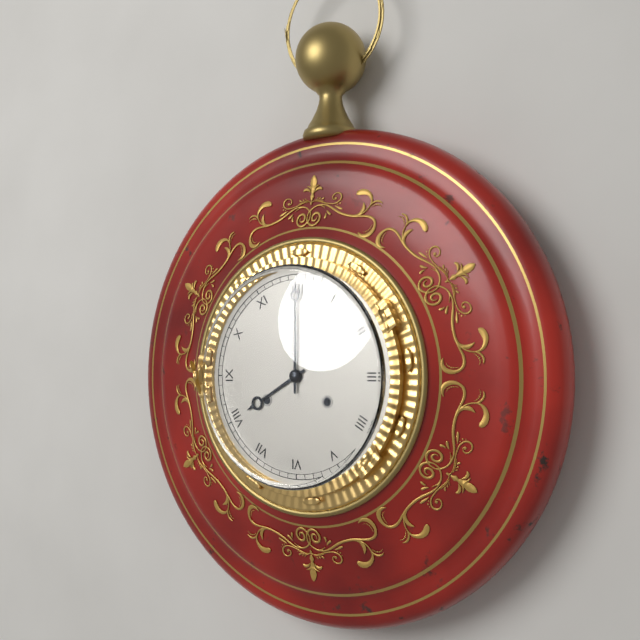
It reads 8,00
